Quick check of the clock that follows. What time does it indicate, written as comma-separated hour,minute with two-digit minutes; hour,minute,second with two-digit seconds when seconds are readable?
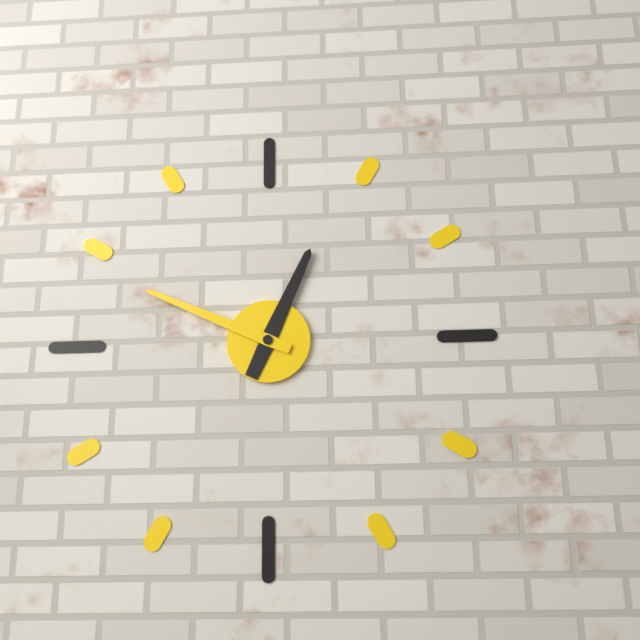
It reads 12,49
